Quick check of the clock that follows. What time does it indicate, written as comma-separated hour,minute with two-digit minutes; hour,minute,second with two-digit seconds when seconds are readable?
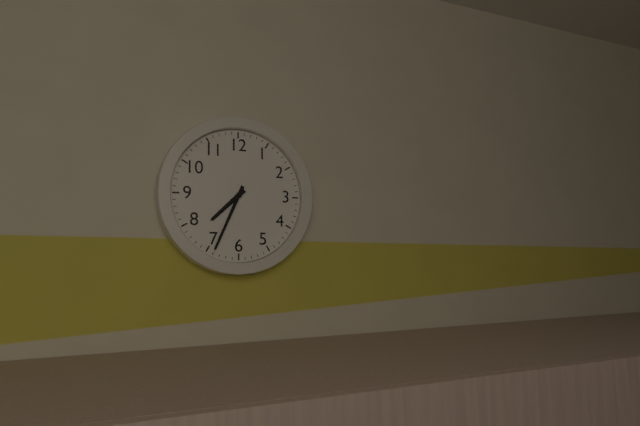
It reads 7,34
